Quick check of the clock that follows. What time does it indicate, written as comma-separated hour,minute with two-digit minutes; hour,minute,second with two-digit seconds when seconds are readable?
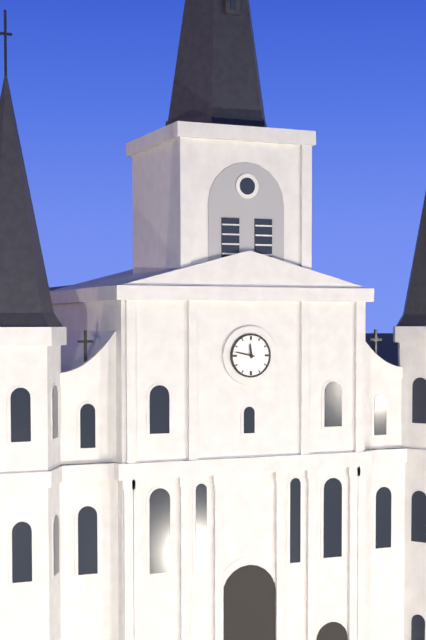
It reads 11,47
